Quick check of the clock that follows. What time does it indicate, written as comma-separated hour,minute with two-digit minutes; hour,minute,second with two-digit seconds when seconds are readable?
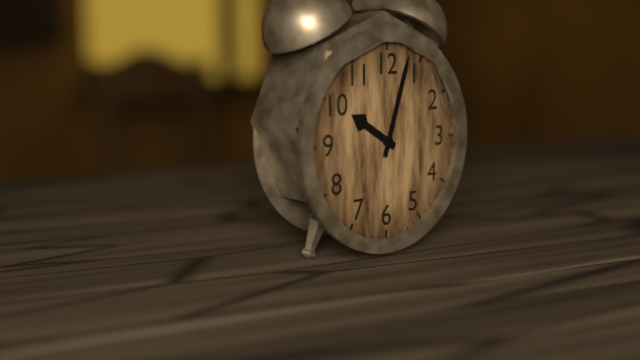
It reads 10,03
